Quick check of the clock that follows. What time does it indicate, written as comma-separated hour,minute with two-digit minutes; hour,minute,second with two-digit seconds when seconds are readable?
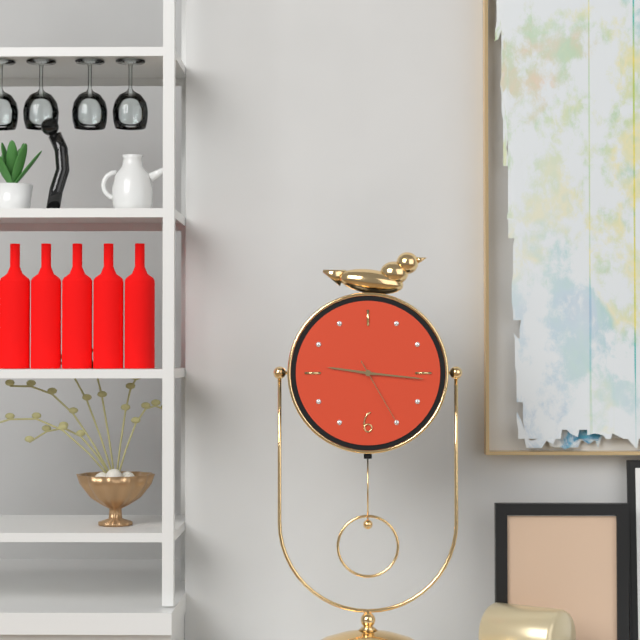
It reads 9,16,25
